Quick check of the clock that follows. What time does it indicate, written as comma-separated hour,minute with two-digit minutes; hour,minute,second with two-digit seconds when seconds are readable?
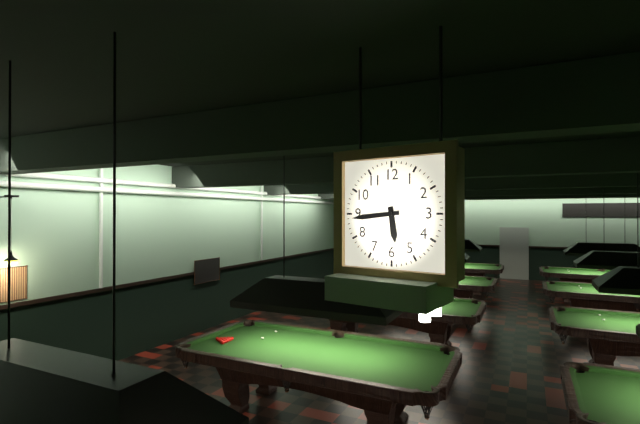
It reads 5,44
